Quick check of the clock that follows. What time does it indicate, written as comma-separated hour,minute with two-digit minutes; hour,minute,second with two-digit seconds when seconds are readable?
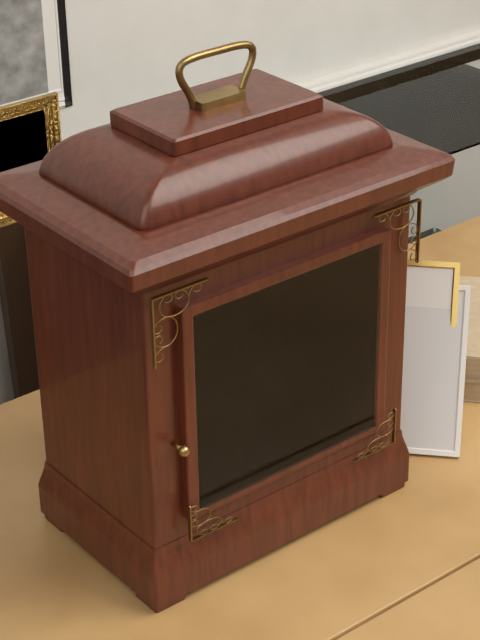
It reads 11,35
